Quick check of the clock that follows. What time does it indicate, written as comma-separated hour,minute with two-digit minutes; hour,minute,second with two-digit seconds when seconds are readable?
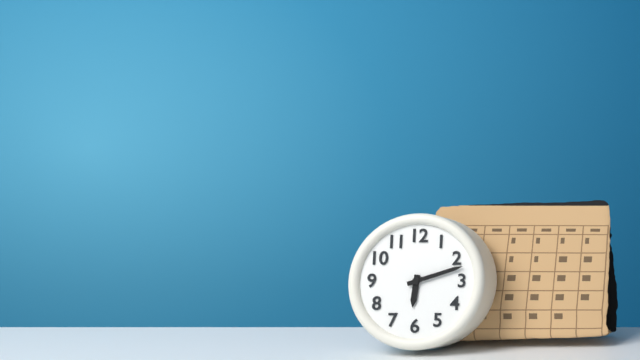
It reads 6,12
